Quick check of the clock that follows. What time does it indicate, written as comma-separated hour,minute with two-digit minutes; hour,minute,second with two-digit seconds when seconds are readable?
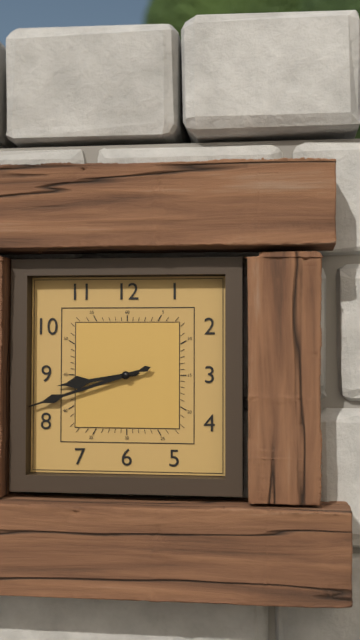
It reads 8,42
